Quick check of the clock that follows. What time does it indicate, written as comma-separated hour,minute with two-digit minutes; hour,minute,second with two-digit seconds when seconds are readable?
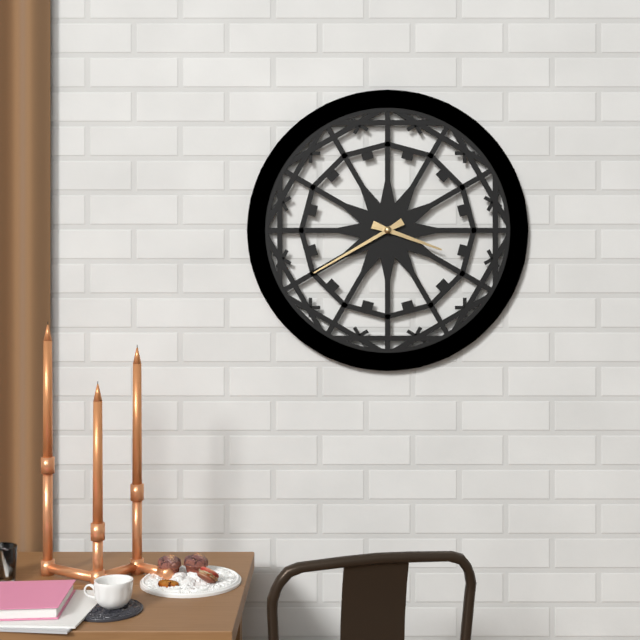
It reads 3,40
